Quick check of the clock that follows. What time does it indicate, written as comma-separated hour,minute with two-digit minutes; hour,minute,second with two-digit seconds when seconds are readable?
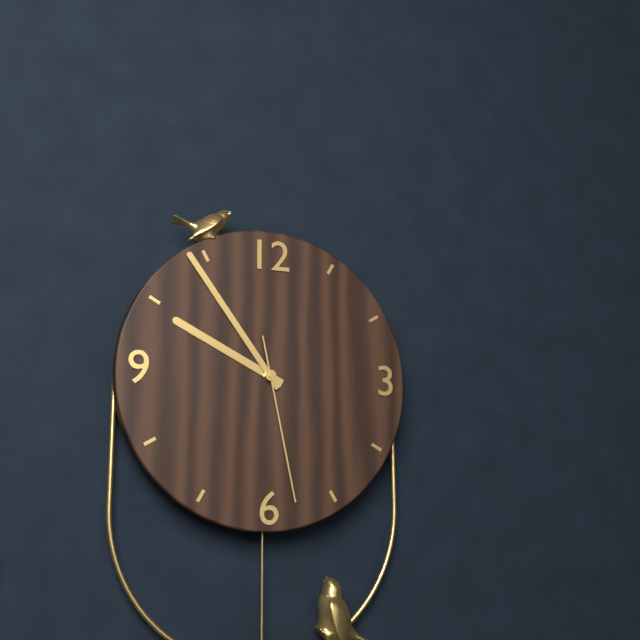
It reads 9,54,28
